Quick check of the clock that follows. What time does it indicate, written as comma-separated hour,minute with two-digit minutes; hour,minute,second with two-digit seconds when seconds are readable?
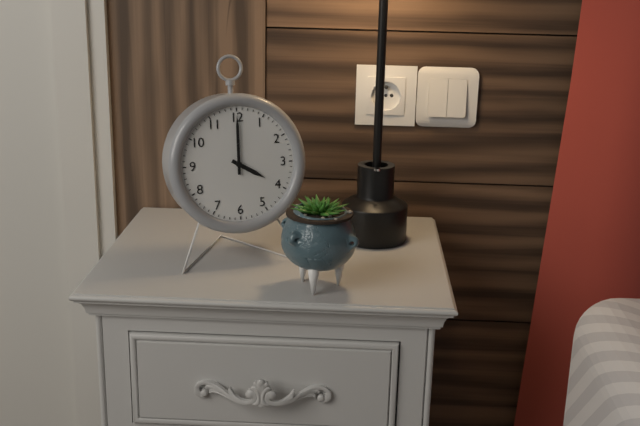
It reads 4,00
